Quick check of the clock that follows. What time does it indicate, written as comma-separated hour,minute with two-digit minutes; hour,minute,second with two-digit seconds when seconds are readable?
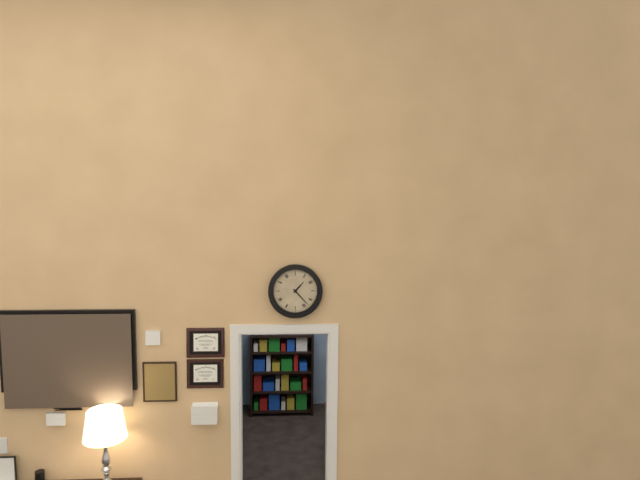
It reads 1,23
